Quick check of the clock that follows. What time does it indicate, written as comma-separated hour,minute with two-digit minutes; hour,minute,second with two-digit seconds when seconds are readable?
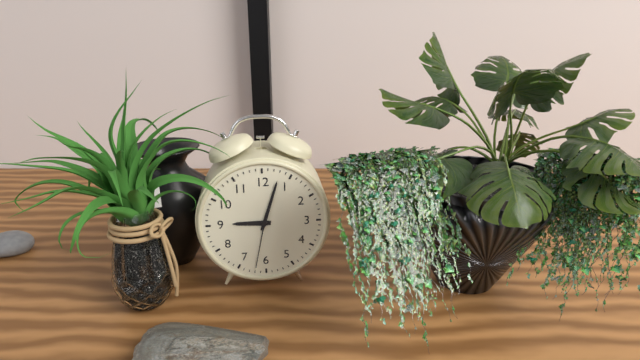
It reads 9,03,32
